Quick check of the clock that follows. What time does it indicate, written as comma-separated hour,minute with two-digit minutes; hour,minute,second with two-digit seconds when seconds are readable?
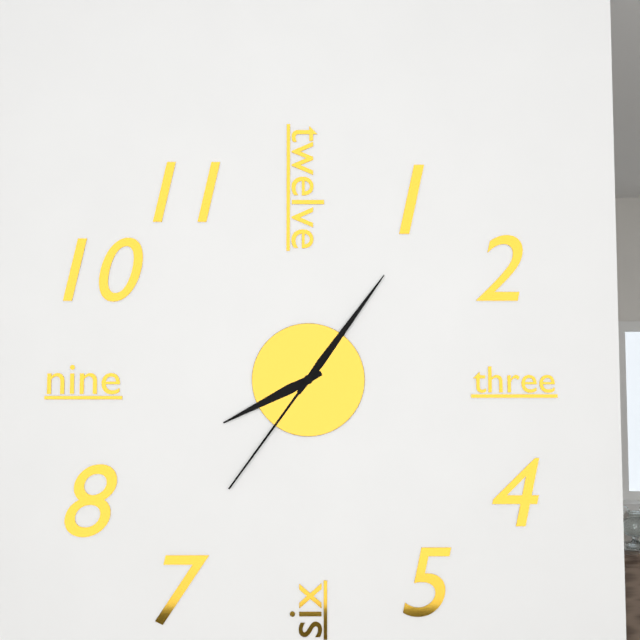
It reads 8,06,36
